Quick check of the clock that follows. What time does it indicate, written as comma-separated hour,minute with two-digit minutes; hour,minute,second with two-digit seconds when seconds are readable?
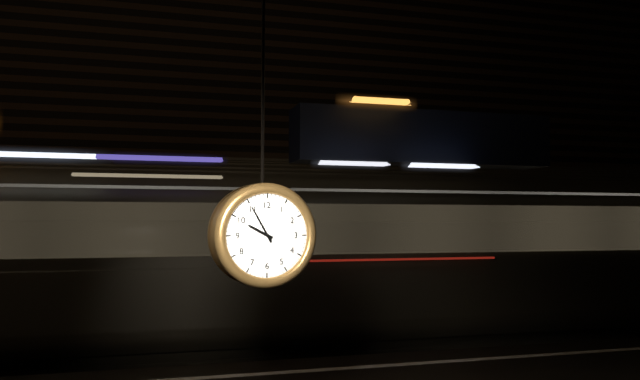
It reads 9,55
